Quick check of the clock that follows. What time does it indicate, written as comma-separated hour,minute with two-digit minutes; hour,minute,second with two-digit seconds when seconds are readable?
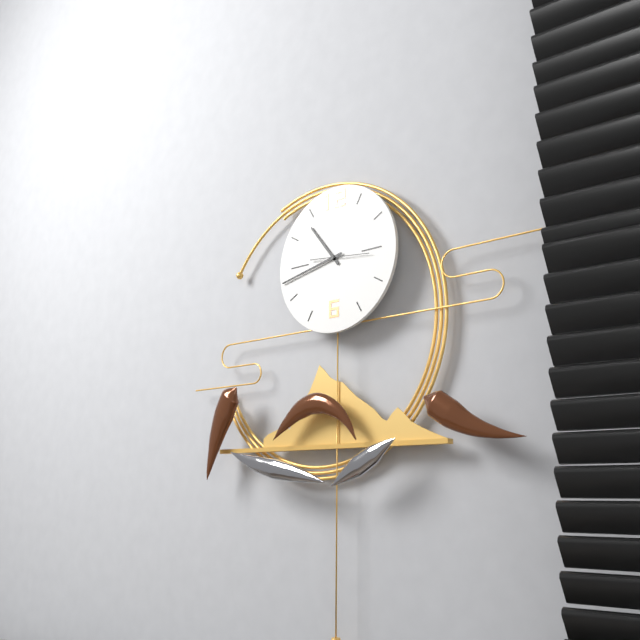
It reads 10,43
